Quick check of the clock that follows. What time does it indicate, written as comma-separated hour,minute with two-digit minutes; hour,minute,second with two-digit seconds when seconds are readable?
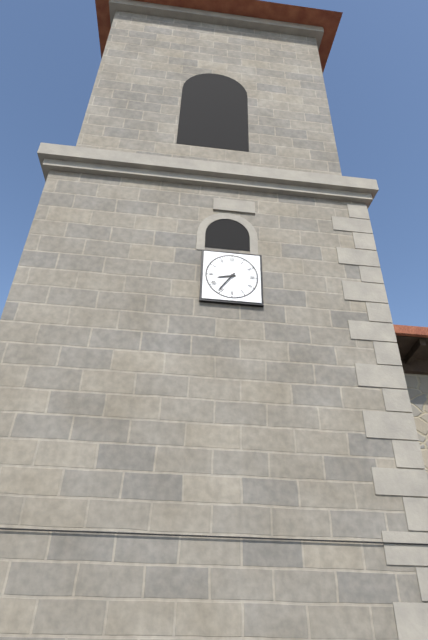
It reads 8,36
